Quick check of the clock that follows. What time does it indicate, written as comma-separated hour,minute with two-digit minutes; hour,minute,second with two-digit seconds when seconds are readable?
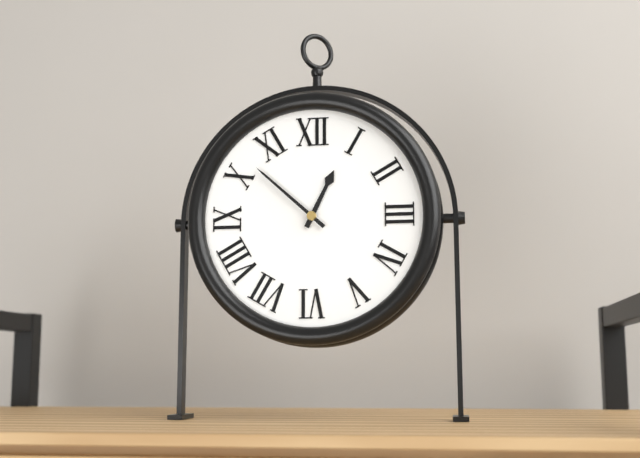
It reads 12,52
